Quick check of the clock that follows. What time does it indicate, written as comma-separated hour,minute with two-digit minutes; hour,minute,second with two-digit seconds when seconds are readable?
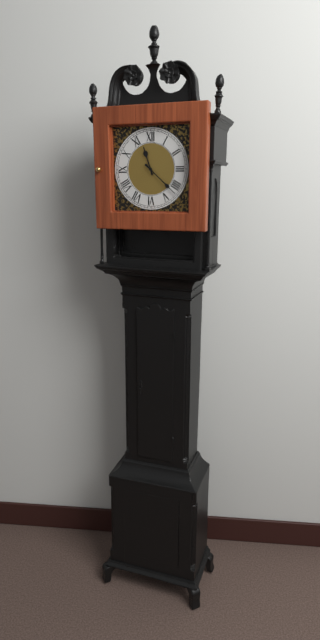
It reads 11,22
